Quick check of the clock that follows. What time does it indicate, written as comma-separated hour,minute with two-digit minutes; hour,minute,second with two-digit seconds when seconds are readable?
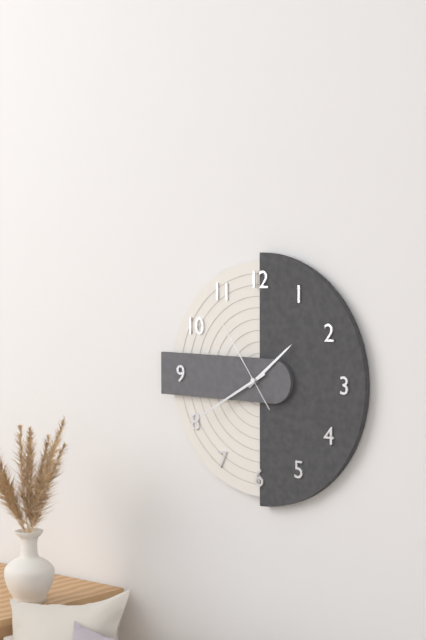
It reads 1,40,54
